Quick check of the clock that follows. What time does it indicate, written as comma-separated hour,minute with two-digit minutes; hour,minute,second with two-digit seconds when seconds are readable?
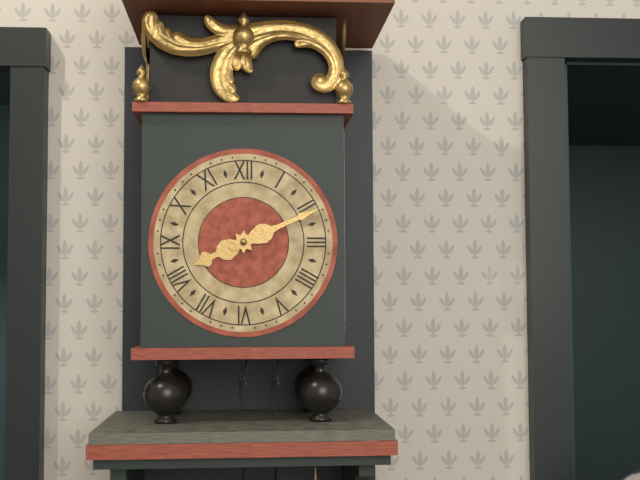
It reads 8,11
